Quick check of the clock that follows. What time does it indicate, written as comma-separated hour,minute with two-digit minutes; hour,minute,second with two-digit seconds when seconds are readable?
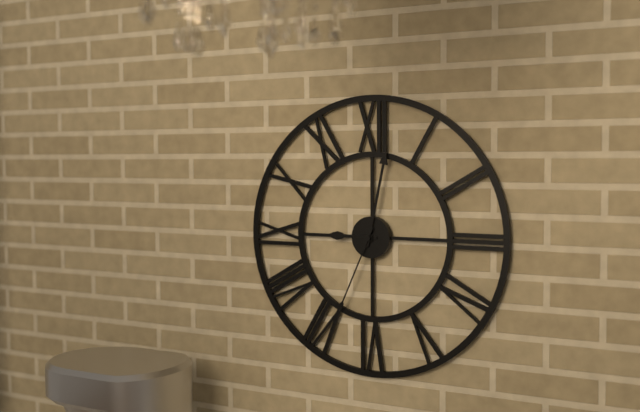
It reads 9,02,34
